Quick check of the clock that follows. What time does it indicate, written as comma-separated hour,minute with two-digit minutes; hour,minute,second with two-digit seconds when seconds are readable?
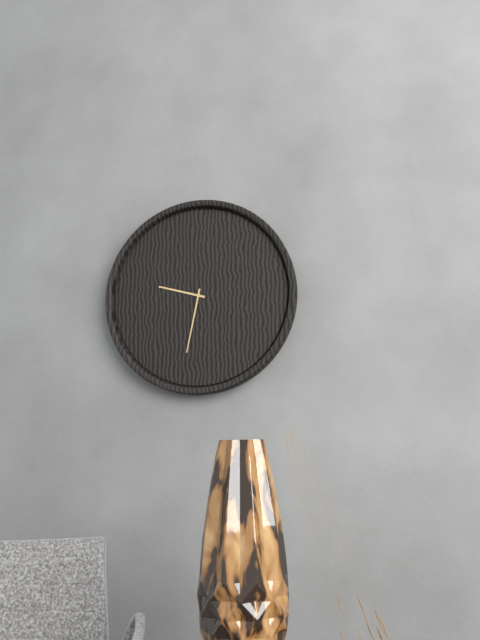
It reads 9,32
